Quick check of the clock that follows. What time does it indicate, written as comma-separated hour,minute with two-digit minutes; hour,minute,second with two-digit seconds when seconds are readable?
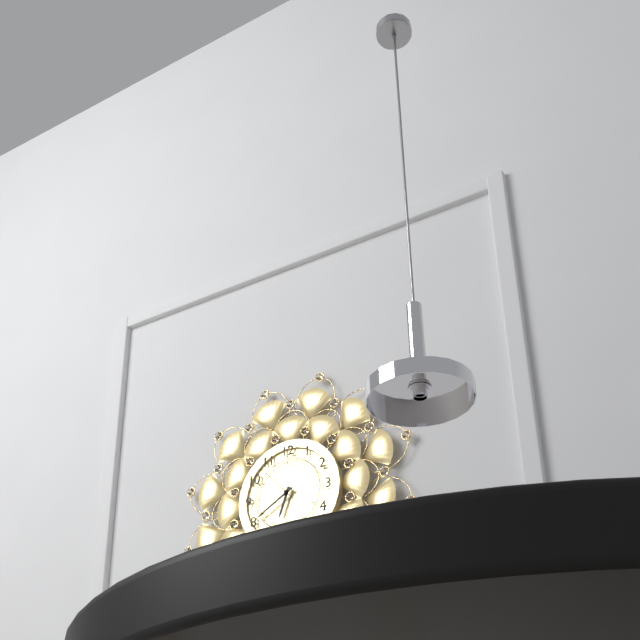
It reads 6,40
